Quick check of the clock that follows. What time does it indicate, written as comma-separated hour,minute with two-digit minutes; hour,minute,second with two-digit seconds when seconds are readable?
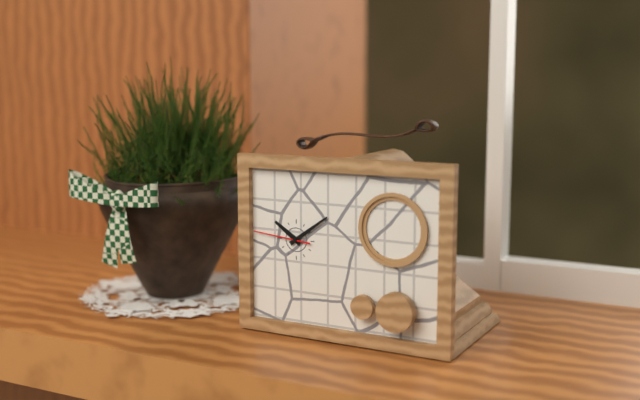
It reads 10,09,46
